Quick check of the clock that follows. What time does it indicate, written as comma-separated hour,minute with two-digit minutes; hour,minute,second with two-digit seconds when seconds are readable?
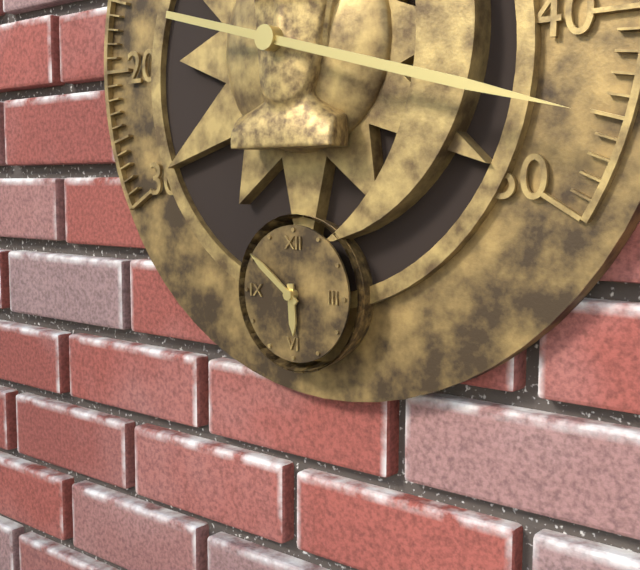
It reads 5,51
